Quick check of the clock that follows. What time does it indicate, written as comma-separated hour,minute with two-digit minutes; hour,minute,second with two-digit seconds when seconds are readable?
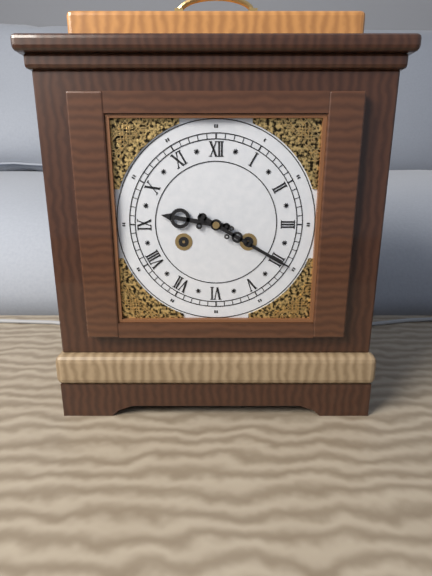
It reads 9,20
